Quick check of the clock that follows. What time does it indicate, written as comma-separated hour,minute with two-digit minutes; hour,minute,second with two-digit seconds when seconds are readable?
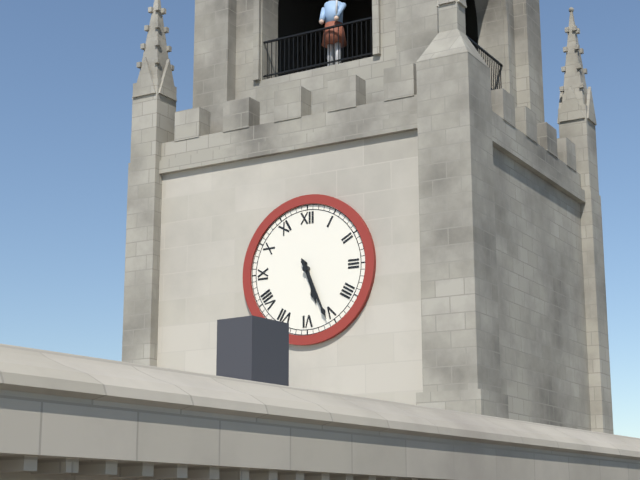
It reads 5,26
